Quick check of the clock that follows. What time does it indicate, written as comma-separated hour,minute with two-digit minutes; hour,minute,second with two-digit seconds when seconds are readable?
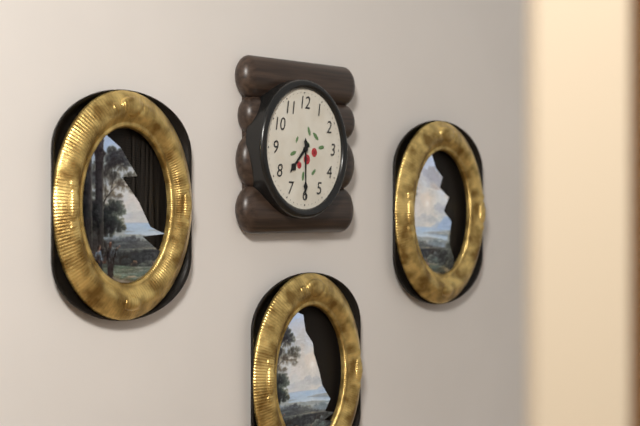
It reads 7,30
